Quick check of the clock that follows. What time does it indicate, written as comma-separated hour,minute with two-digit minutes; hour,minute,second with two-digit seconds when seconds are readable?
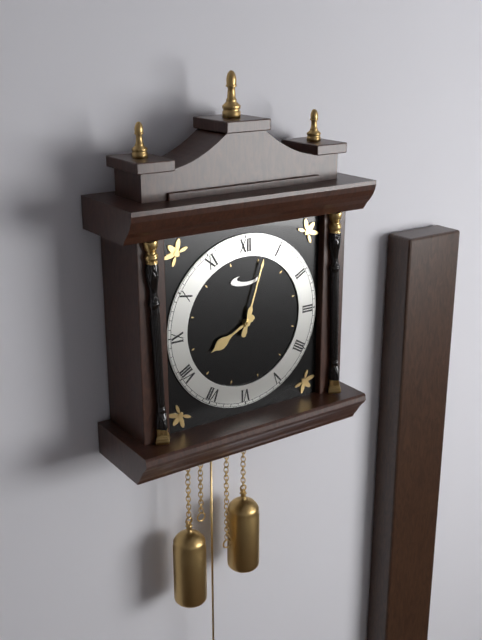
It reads 8,03
